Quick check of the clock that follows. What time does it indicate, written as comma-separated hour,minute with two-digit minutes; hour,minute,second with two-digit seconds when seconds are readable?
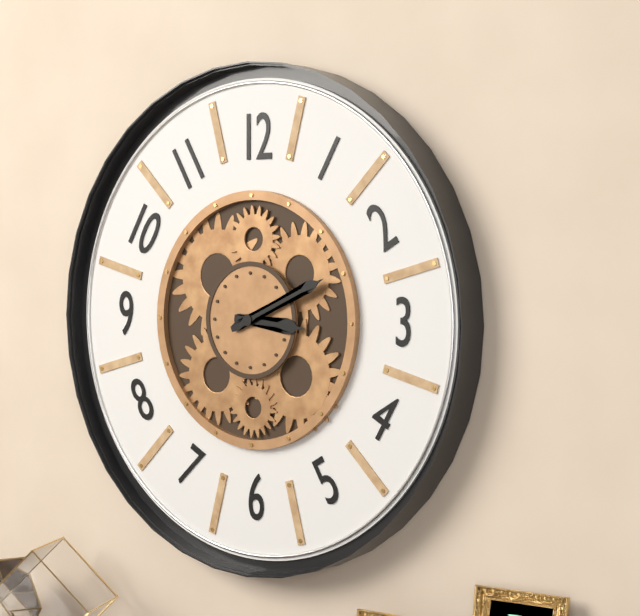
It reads 3,11
